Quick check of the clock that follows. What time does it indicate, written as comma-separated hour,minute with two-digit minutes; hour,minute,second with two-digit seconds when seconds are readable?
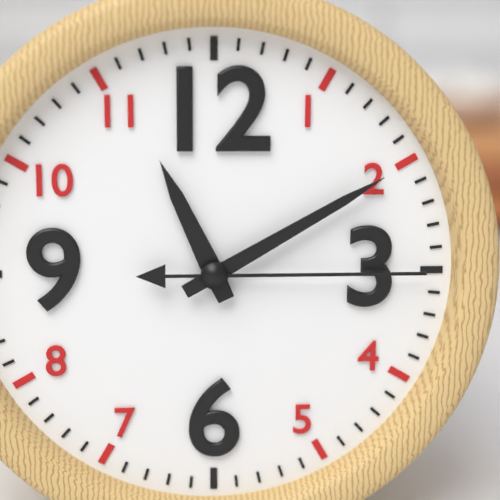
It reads 11,10,15
